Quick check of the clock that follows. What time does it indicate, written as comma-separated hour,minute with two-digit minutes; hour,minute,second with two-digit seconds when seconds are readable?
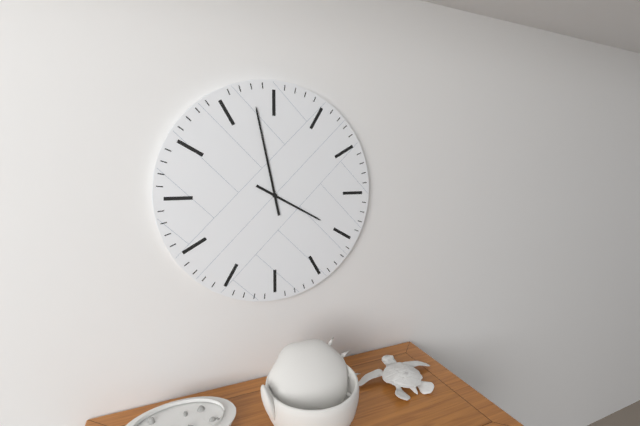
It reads 3,58
